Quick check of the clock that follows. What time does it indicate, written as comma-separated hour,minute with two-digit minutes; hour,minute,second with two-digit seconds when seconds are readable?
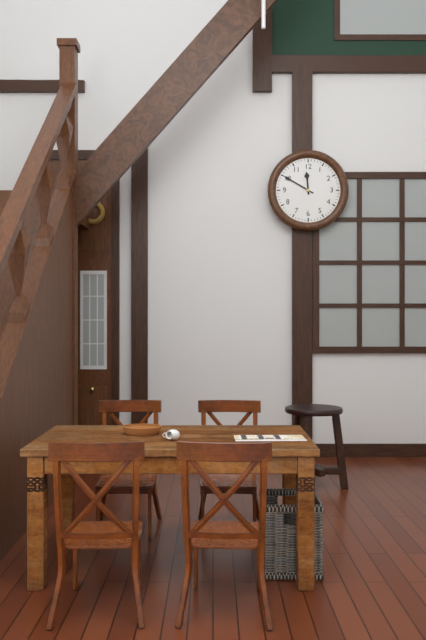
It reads 11,50
